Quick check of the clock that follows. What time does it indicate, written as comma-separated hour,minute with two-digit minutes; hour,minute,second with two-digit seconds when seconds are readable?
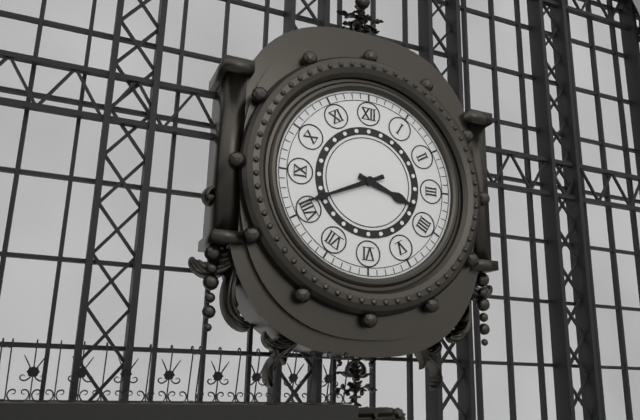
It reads 3,41
